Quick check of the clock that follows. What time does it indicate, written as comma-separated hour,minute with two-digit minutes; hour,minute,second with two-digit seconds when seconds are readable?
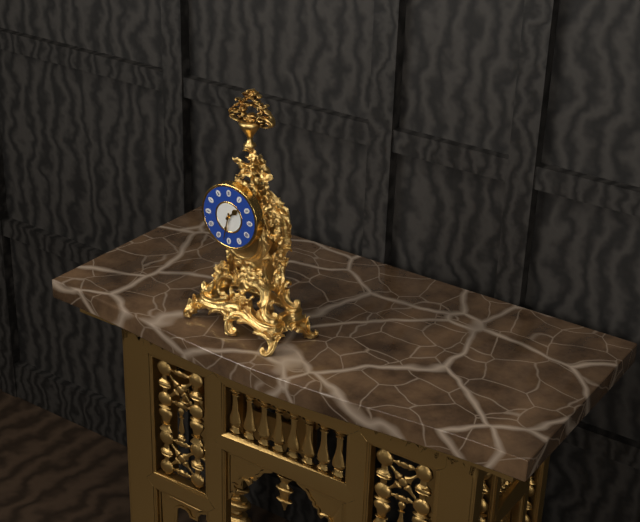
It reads 1,32
